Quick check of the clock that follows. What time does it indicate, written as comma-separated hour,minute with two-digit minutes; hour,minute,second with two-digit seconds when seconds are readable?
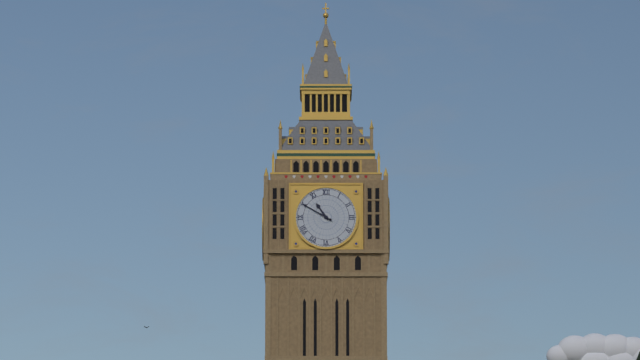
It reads 10,50
